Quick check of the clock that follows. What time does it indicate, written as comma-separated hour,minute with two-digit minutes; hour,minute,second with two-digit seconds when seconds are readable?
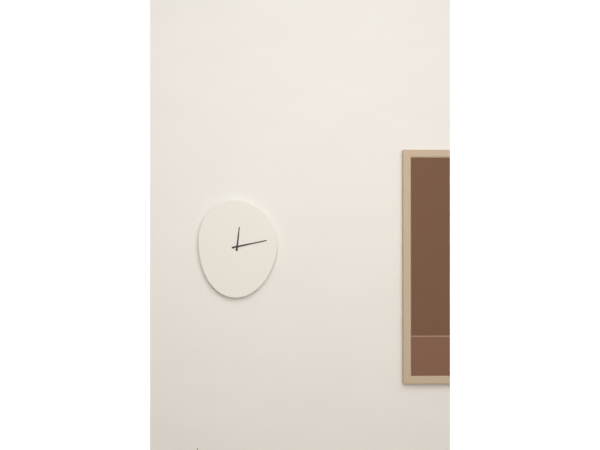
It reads 12,13
